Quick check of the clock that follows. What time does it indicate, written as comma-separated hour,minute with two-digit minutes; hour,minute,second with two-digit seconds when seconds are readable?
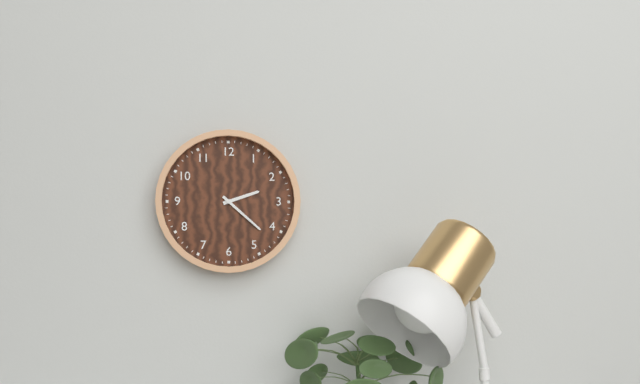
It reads 2,22
